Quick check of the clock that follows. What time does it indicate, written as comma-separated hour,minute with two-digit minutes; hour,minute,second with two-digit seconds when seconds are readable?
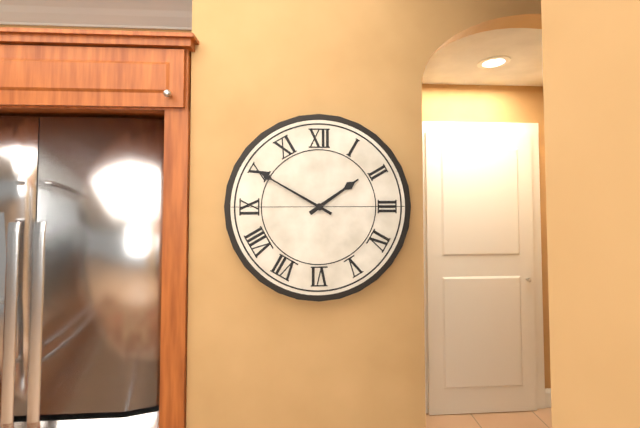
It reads 1,50
